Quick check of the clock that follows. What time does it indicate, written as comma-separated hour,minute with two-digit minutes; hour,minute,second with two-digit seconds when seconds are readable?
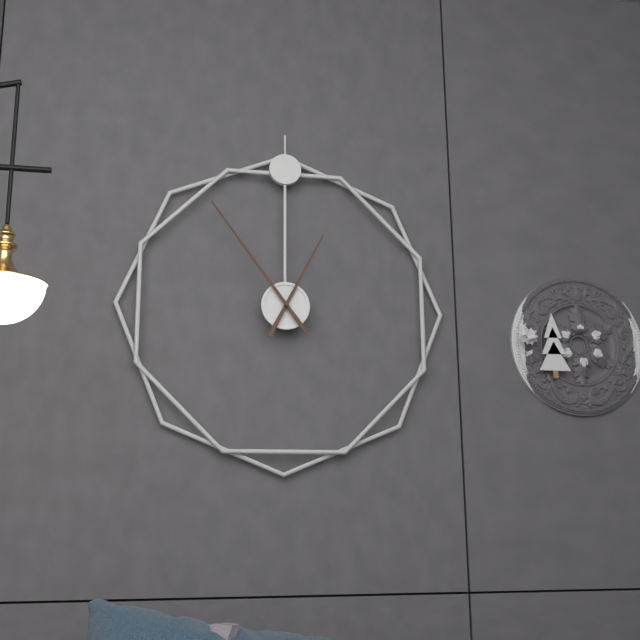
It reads 12,54
